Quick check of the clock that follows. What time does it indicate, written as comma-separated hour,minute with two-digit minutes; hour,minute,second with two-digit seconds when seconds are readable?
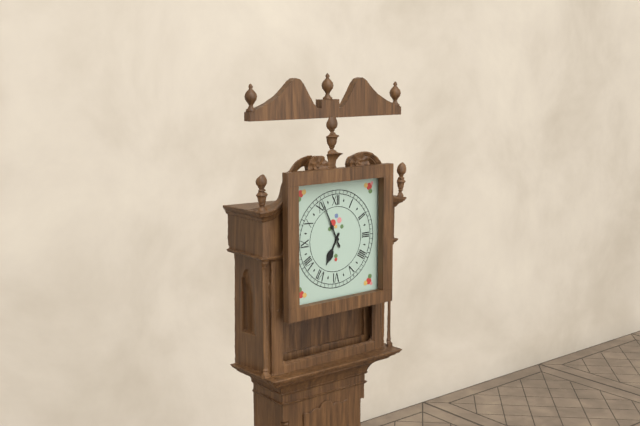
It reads 6,56
